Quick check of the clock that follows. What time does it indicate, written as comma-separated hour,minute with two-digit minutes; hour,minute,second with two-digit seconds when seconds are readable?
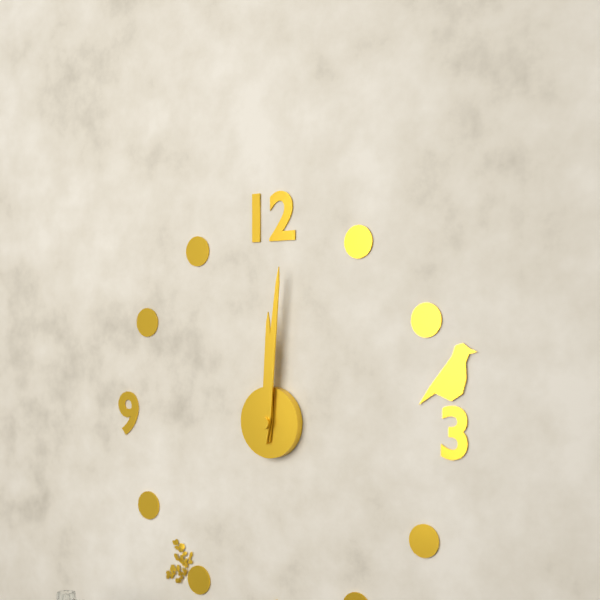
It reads 12,01
